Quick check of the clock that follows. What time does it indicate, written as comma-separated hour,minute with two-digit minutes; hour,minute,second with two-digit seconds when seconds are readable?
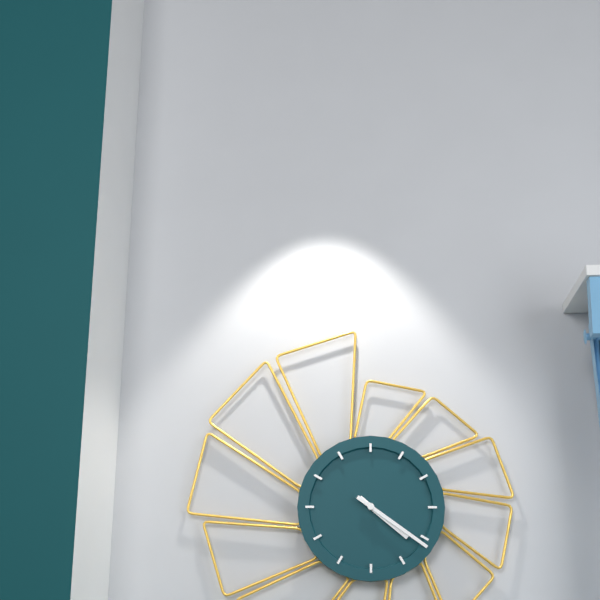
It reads 4,21
